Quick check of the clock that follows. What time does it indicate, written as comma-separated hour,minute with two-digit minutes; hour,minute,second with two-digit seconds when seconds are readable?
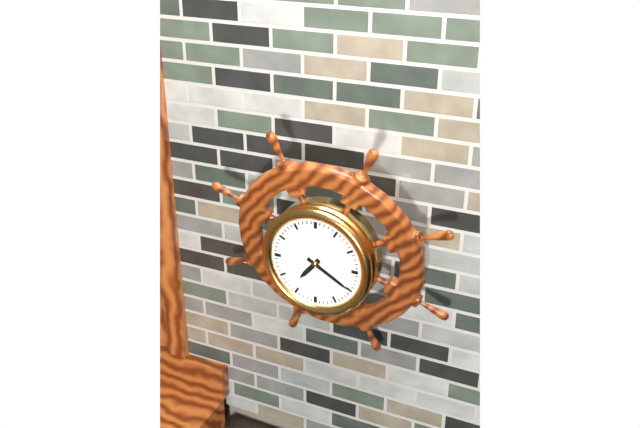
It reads 7,20
